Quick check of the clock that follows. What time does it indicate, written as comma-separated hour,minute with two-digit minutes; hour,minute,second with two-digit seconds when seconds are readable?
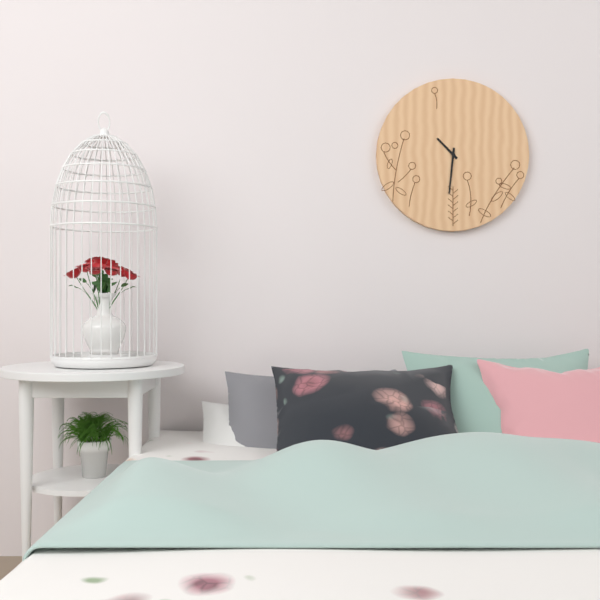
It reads 10,31
